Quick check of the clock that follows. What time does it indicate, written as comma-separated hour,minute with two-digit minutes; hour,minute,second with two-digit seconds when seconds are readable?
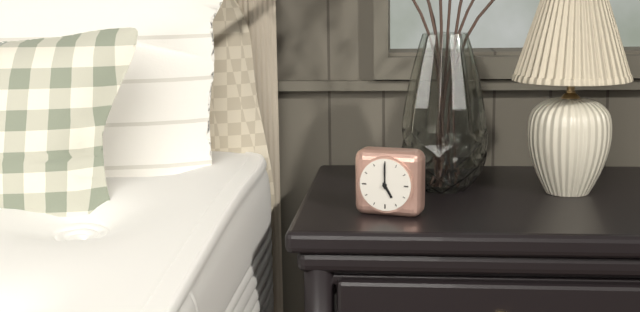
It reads 5,00
